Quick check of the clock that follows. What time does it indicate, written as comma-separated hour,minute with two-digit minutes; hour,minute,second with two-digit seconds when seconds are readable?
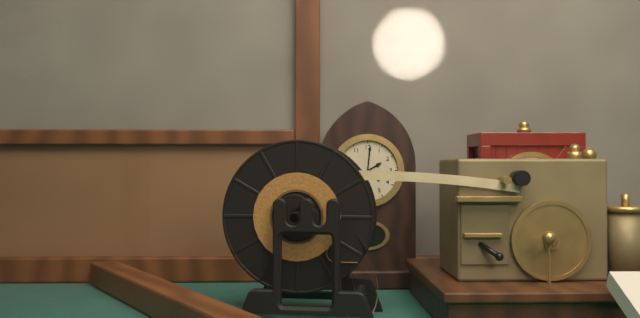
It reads 2,01
